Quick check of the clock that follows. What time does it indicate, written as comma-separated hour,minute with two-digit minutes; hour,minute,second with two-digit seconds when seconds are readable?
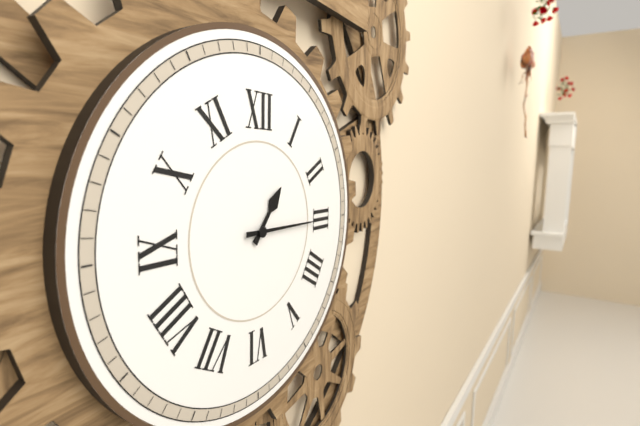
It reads 1,15
